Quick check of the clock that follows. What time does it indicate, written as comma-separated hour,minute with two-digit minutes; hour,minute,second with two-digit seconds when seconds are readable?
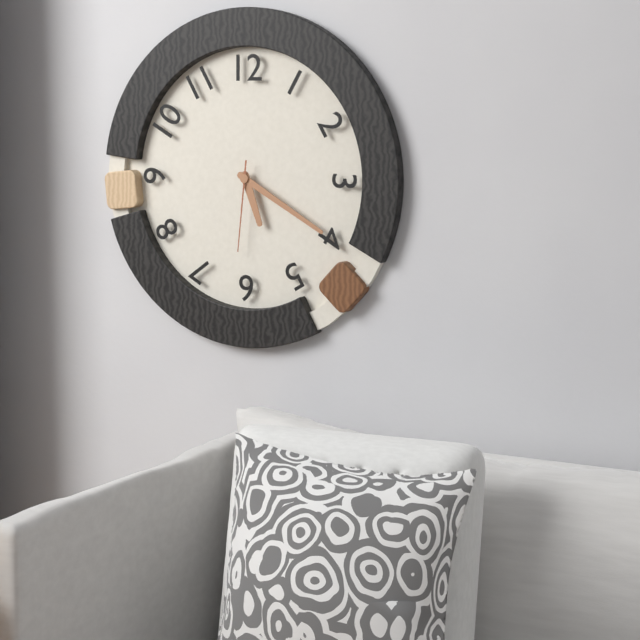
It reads 5,20,31
